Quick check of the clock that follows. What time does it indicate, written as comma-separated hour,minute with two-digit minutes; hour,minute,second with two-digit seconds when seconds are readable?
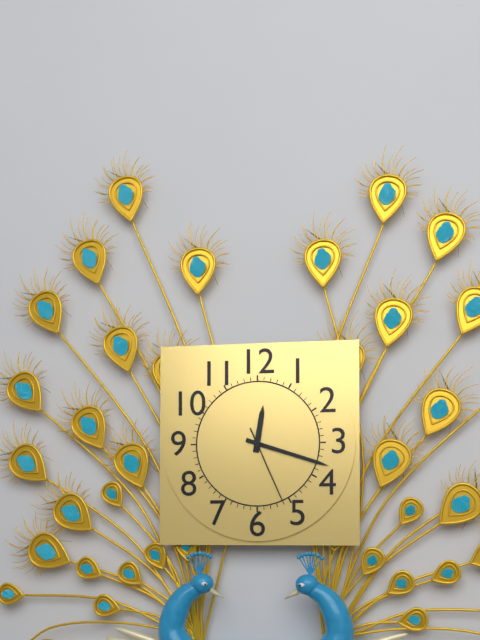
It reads 12,18,26
